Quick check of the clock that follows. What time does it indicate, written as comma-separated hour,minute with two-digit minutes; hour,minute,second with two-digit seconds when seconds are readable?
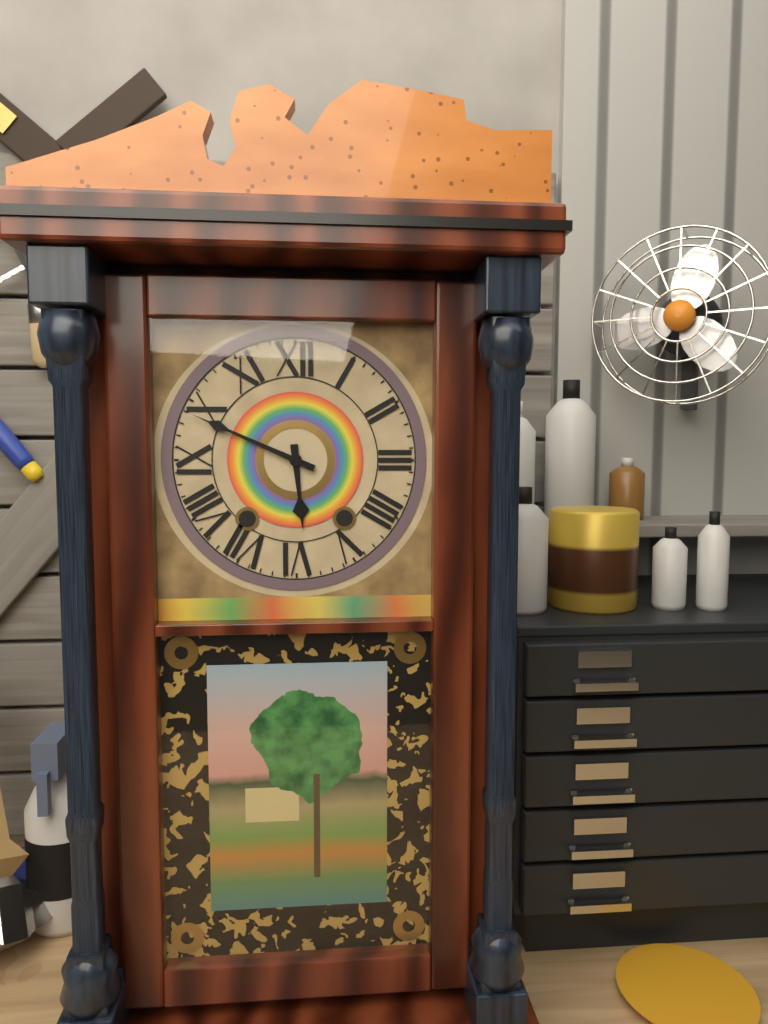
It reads 5,49
